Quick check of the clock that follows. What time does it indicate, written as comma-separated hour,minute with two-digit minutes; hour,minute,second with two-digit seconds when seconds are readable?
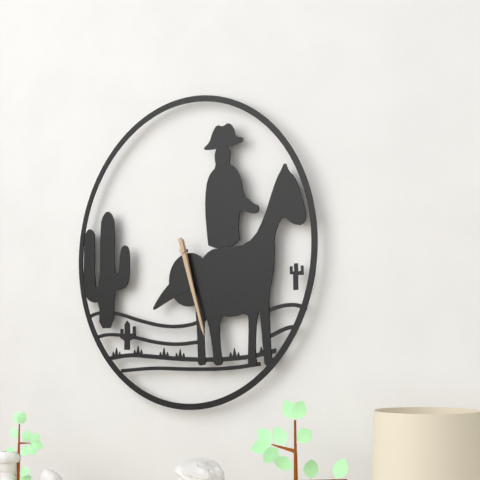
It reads 5,27
